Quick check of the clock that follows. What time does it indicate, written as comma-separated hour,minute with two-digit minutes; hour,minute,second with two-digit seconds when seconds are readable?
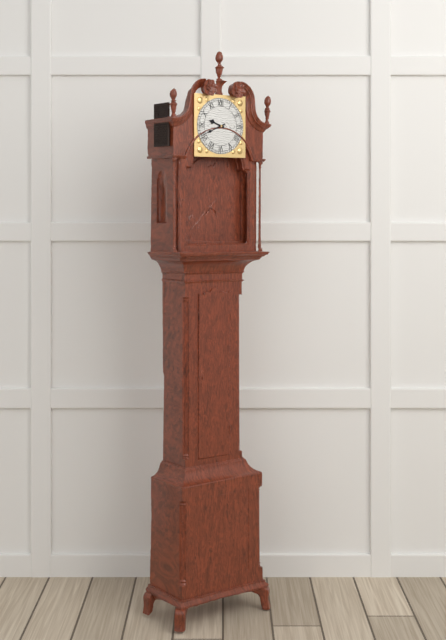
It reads 9,41
